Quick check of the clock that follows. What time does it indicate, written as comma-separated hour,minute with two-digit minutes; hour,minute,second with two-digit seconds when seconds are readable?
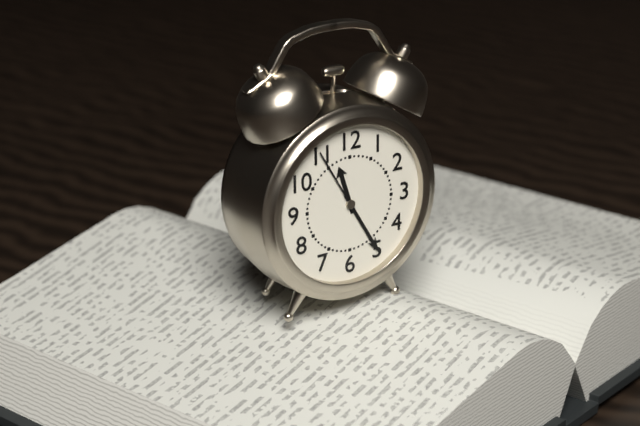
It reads 11,25,55
